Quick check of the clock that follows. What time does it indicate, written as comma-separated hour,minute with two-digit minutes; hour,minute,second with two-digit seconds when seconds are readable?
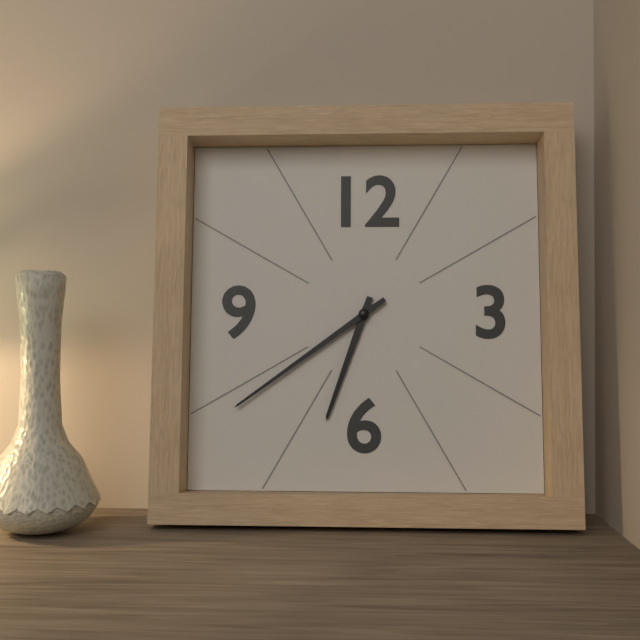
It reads 6,39
